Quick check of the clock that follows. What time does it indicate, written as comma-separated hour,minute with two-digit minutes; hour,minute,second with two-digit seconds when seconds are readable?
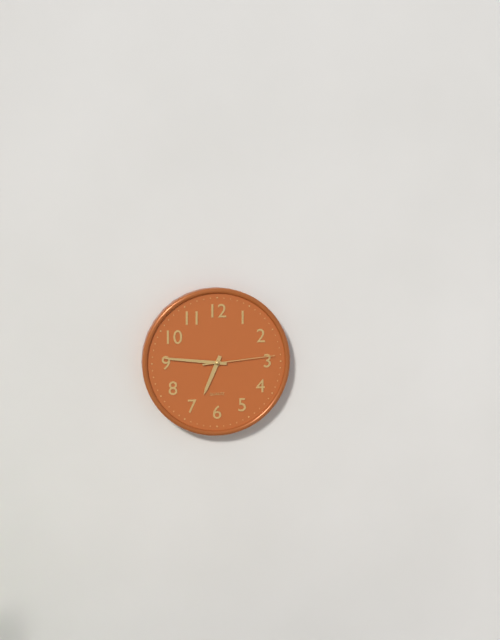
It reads 6,46,14
